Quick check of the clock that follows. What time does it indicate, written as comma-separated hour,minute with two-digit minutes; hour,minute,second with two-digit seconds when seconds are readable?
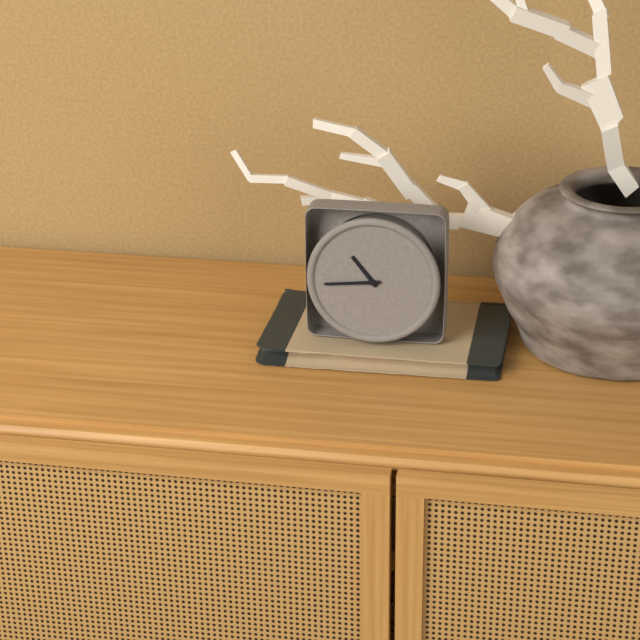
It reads 10,44
